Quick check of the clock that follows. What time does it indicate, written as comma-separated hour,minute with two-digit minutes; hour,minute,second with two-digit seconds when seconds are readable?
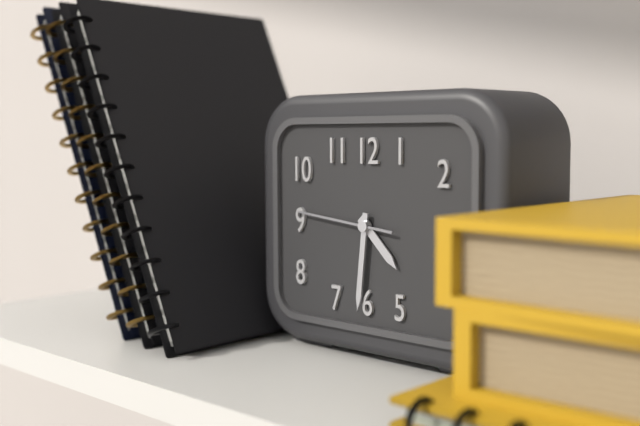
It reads 4,31,46
